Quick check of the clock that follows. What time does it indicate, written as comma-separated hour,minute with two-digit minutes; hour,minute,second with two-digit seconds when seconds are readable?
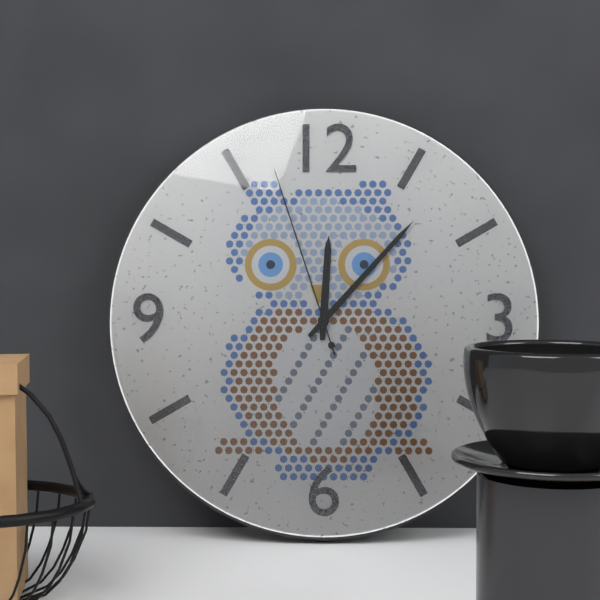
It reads 12,07,57
